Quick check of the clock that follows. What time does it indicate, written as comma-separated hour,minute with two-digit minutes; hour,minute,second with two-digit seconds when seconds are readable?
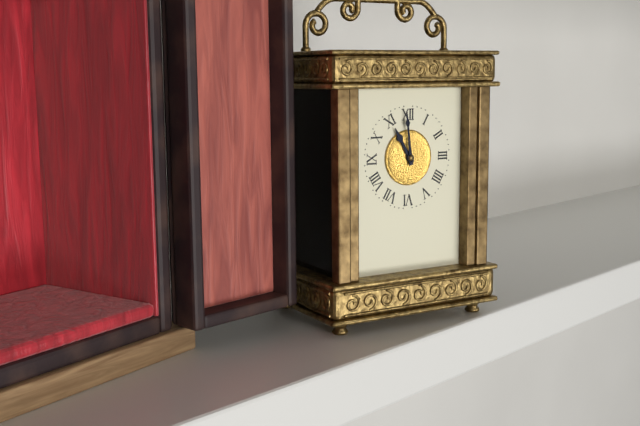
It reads 10,59
